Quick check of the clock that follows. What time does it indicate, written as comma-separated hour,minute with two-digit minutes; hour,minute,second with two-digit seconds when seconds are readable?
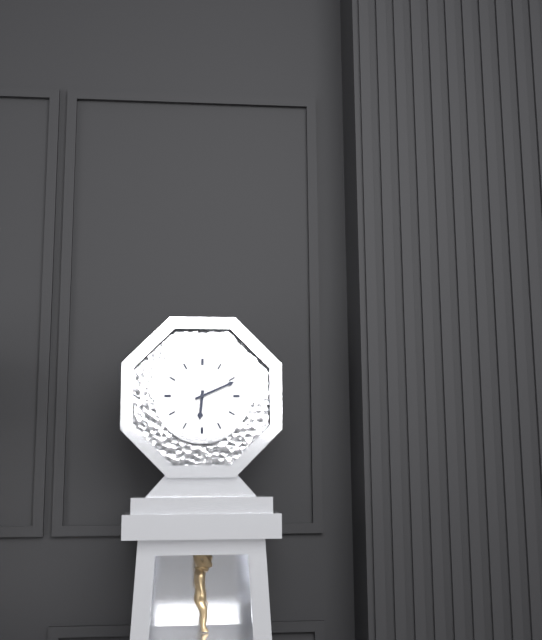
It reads 6,11
